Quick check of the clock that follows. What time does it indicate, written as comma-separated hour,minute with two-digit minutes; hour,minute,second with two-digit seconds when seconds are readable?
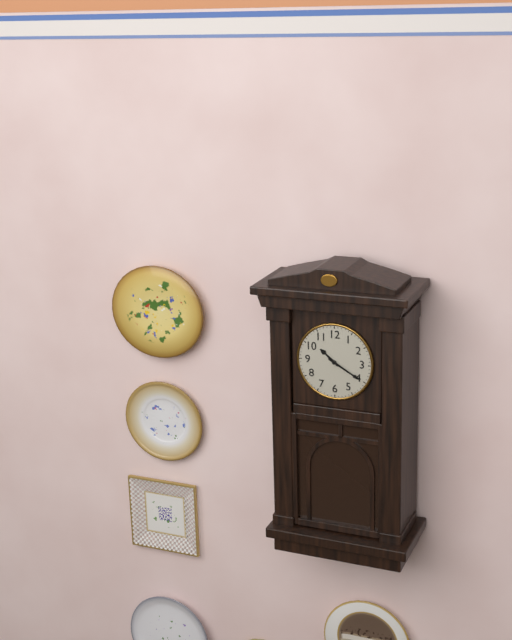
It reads 10,20
